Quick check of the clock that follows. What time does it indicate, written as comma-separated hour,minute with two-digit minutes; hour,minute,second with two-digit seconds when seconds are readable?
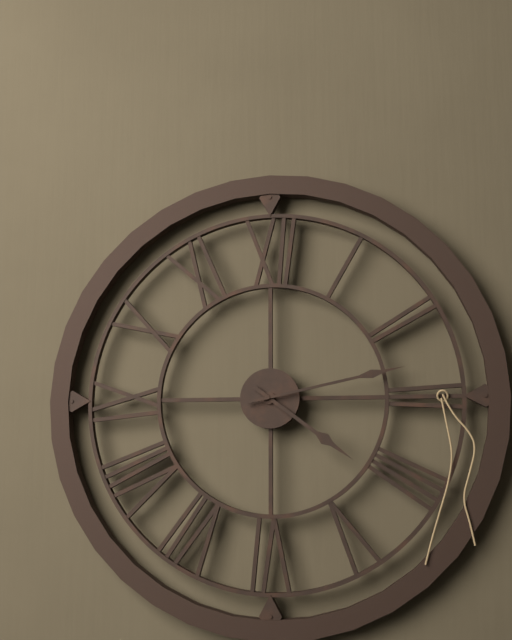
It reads 4,13
